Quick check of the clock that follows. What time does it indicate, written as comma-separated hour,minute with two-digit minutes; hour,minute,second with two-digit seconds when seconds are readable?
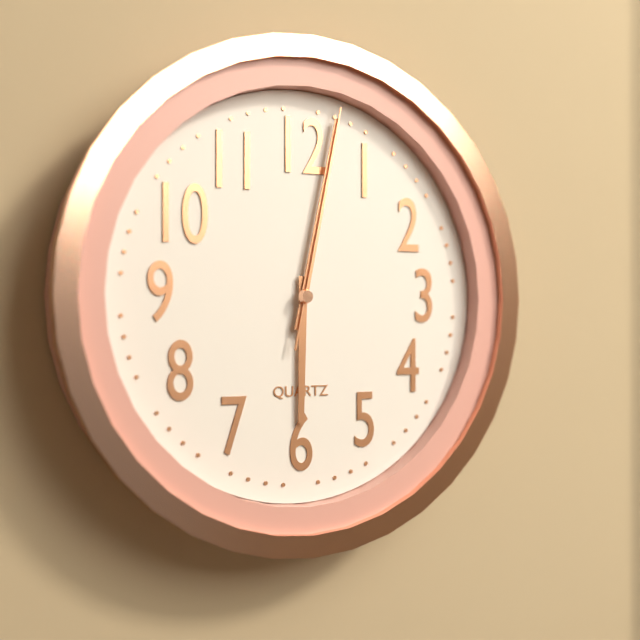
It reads 6,02,02
